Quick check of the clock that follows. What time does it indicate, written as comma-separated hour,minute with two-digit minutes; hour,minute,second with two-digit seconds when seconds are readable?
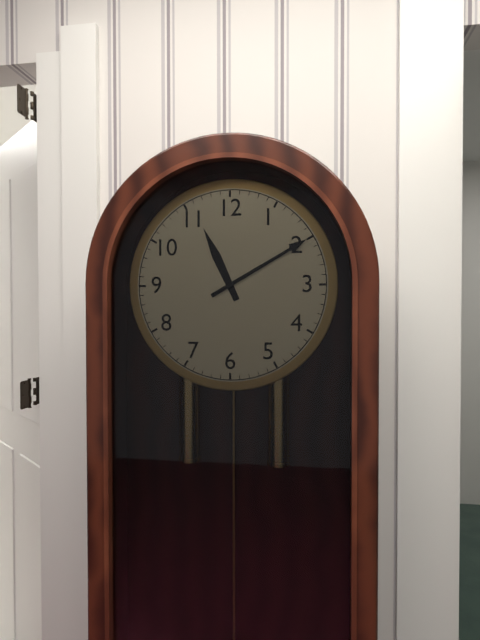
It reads 11,10
